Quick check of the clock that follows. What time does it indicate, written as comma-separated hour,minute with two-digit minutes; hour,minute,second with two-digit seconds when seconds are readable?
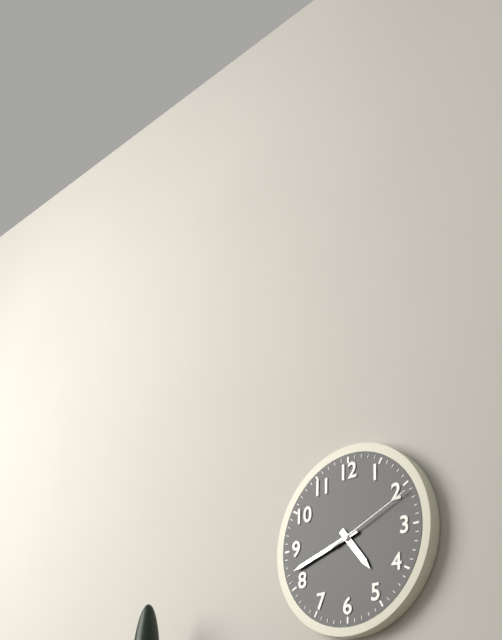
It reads 4,42,11
